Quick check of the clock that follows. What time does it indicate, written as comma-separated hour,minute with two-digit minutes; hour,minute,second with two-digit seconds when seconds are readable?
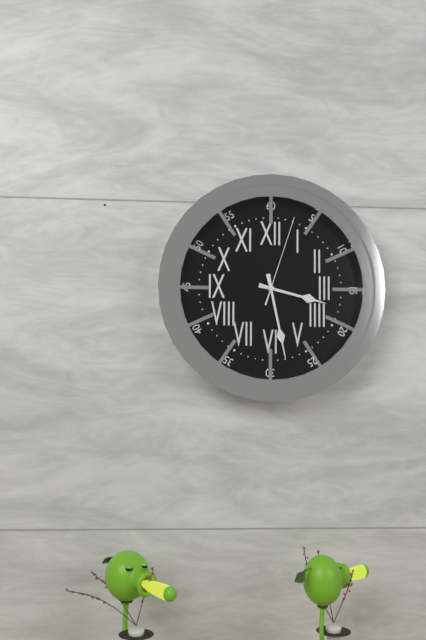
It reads 3,28,03
